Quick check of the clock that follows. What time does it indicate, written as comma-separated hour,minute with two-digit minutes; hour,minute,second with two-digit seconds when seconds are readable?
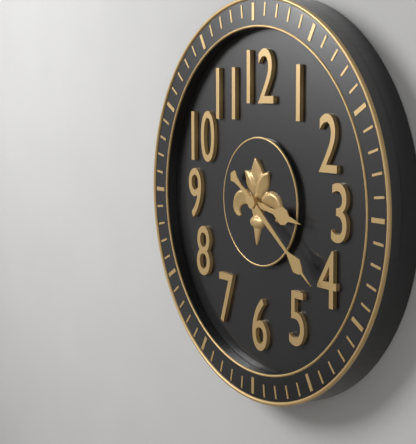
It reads 3,21
